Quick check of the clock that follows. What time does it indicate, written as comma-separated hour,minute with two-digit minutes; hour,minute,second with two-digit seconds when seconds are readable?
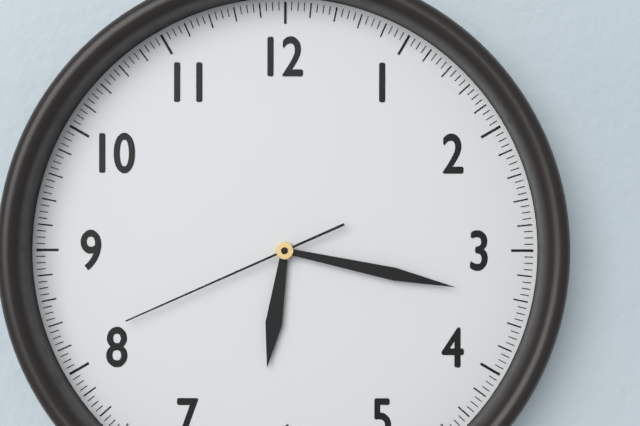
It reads 6,17,41
